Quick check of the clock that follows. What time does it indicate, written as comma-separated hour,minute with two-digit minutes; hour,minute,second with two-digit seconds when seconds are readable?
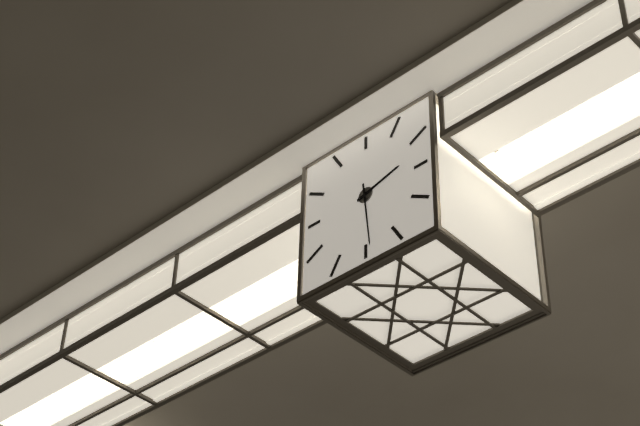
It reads 2,29
